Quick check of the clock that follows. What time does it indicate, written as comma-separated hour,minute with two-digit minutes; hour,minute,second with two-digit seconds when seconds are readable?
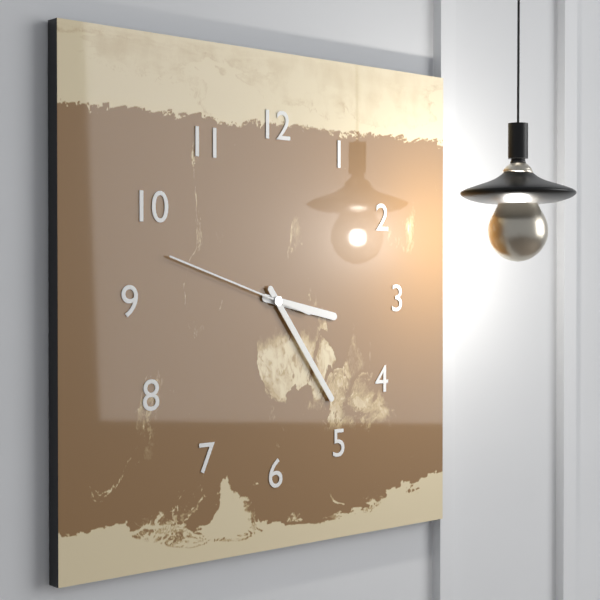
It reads 3,24,48
